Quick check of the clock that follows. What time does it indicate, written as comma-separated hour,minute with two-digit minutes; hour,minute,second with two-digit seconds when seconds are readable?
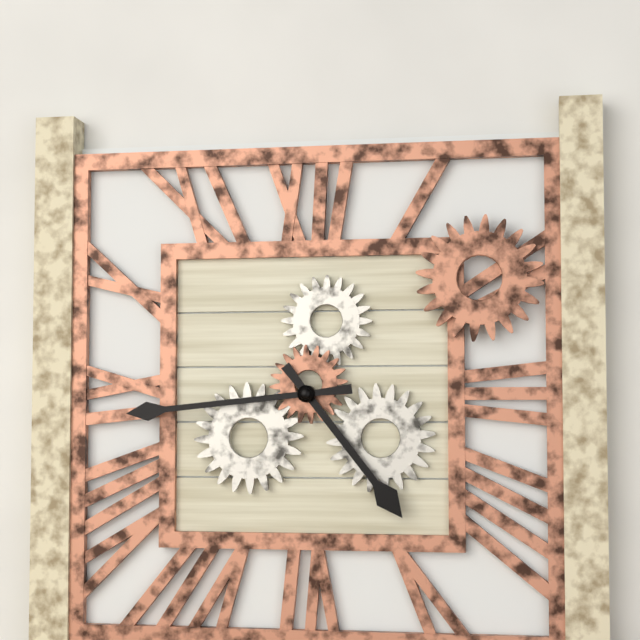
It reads 4,44
